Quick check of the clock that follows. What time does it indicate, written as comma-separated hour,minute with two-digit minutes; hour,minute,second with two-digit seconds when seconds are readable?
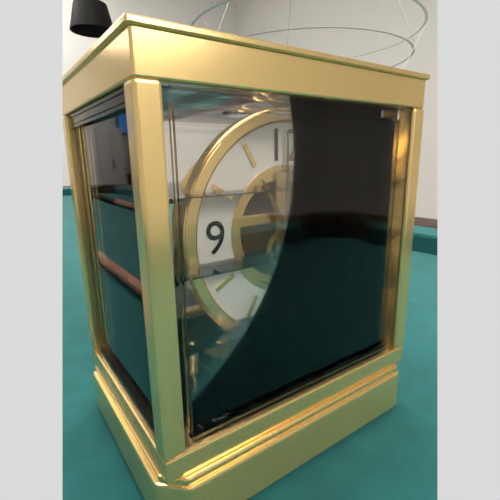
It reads 11,00
